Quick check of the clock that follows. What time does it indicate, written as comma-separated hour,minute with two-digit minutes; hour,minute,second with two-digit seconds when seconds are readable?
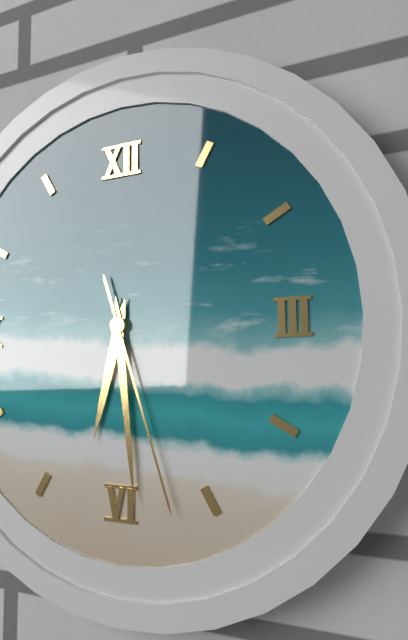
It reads 6,29,27
